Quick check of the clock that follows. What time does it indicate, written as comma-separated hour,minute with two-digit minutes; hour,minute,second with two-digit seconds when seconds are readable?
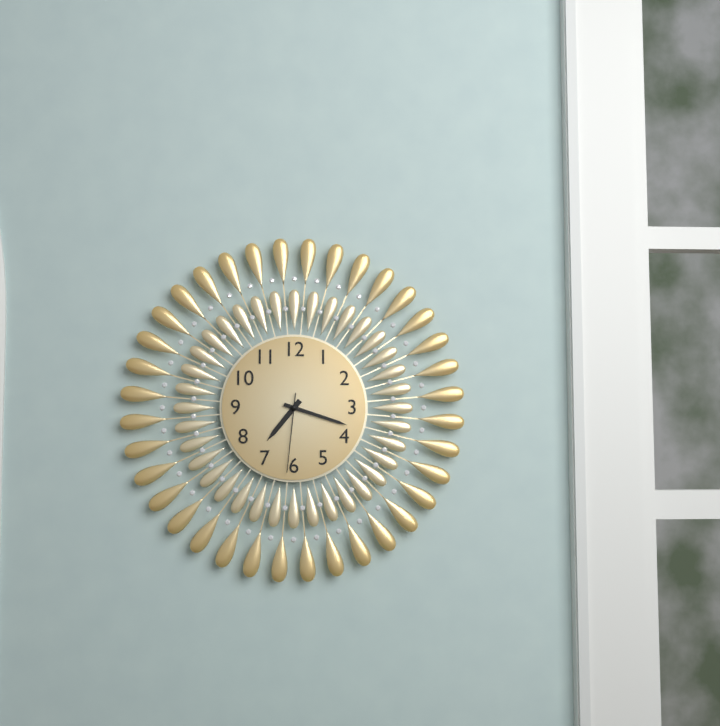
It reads 7,18,31
